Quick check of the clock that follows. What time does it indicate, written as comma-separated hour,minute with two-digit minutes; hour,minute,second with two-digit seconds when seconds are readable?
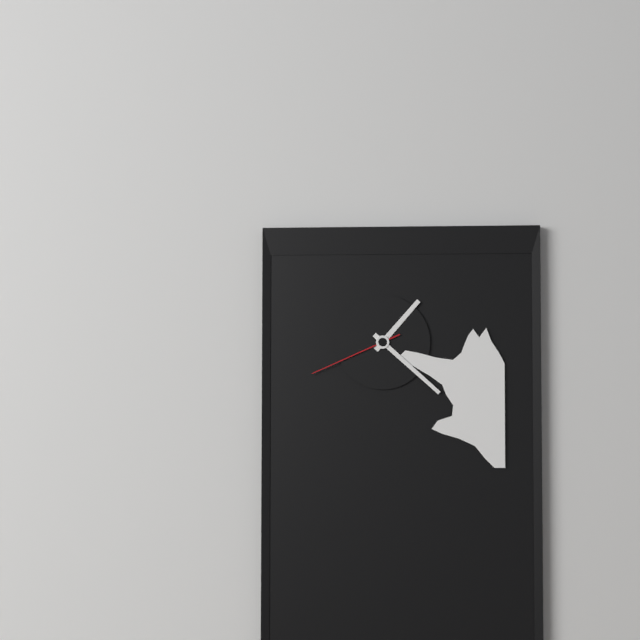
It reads 1,22,41
